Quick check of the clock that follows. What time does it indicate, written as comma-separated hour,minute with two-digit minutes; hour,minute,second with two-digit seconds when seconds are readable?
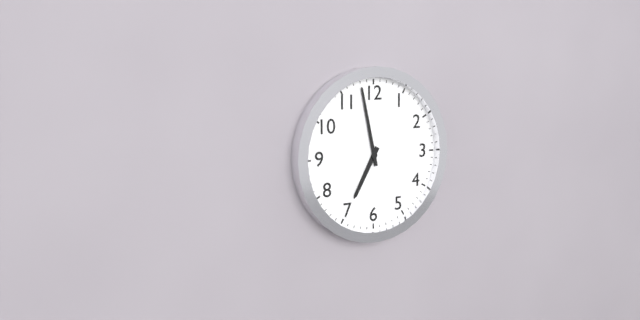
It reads 6,58
